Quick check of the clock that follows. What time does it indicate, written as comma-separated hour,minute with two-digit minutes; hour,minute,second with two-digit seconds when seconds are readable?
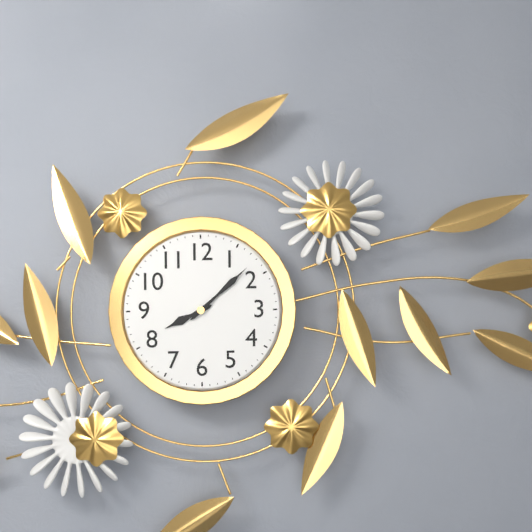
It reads 8,08
